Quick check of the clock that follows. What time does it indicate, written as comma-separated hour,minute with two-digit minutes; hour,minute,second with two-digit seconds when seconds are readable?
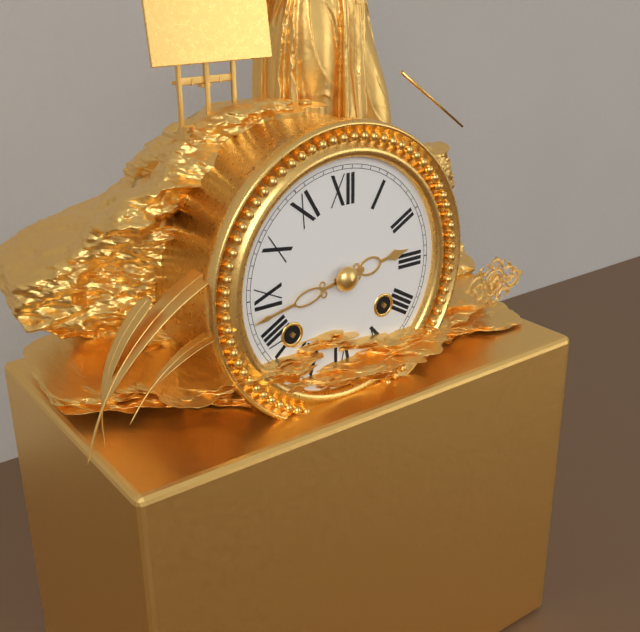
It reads 2,43
